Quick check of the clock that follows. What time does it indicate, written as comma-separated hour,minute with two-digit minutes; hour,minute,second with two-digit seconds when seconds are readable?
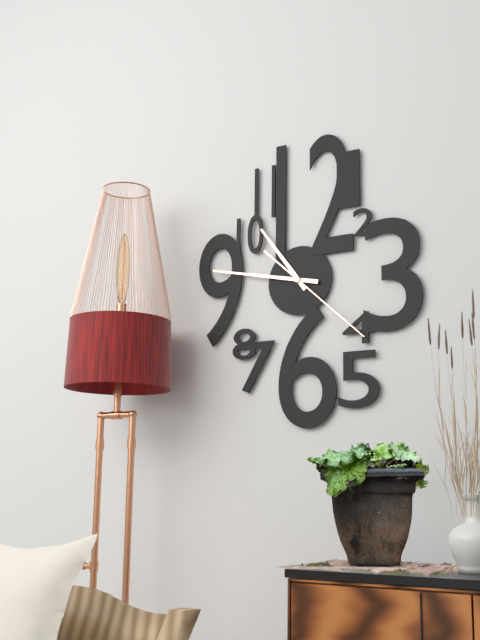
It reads 10,47,22
